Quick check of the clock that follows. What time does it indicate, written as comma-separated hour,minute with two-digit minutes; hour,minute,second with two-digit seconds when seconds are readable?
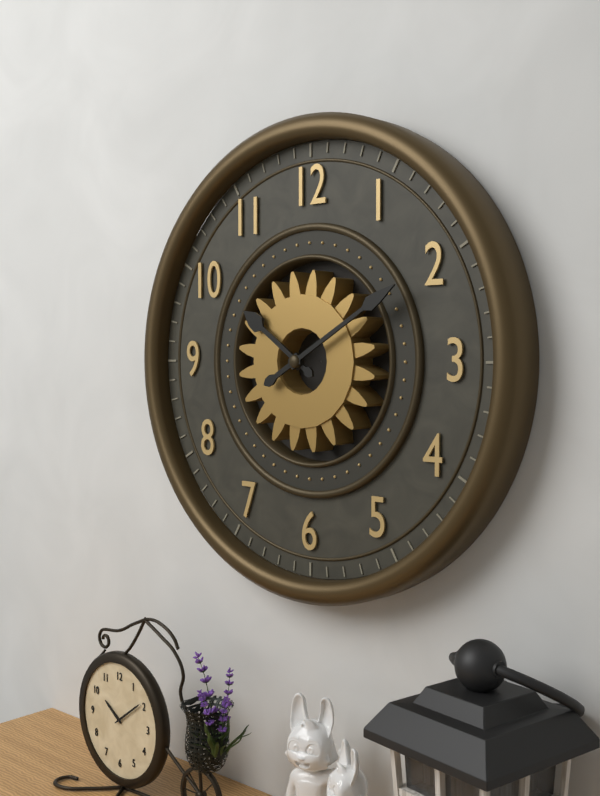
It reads 10,10
